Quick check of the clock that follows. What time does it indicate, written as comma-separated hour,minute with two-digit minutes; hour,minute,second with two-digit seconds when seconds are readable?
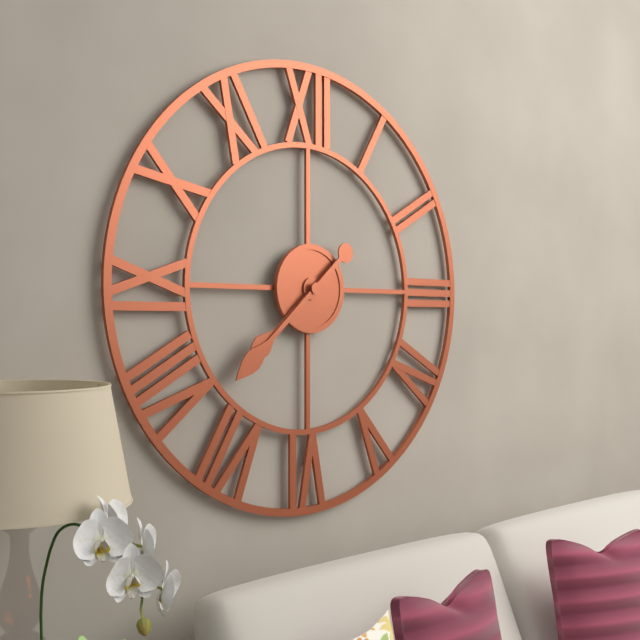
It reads 7,38
